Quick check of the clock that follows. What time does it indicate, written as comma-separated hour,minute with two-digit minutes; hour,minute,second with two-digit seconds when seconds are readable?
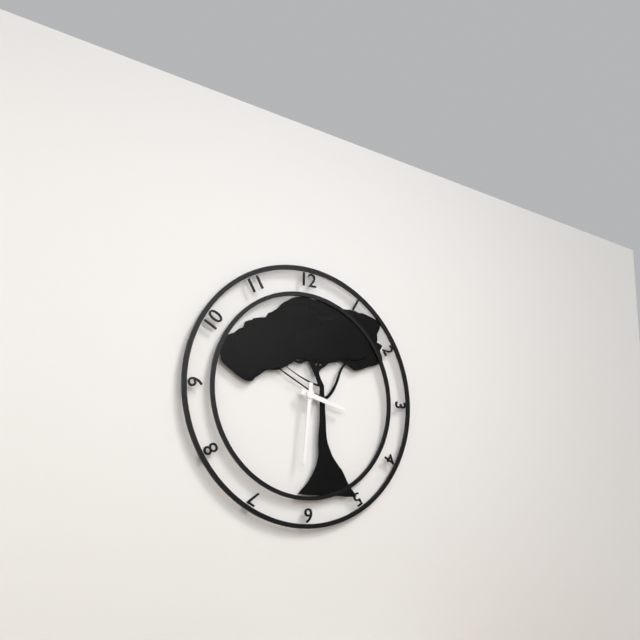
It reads 3,31
